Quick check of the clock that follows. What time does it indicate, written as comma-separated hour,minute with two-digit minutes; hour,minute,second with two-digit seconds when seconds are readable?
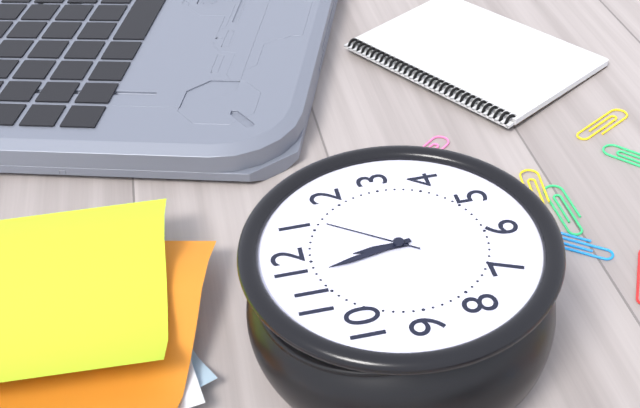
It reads 11,58,06
